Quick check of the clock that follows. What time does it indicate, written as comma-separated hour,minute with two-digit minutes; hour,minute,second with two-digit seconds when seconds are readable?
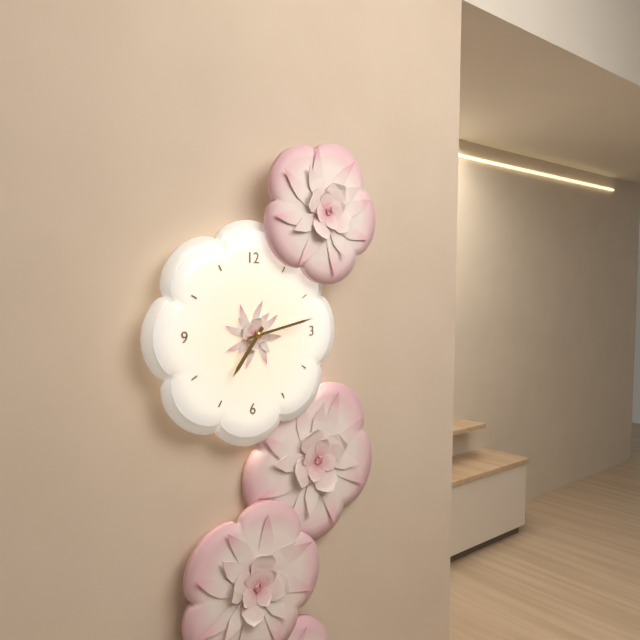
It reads 7,13
